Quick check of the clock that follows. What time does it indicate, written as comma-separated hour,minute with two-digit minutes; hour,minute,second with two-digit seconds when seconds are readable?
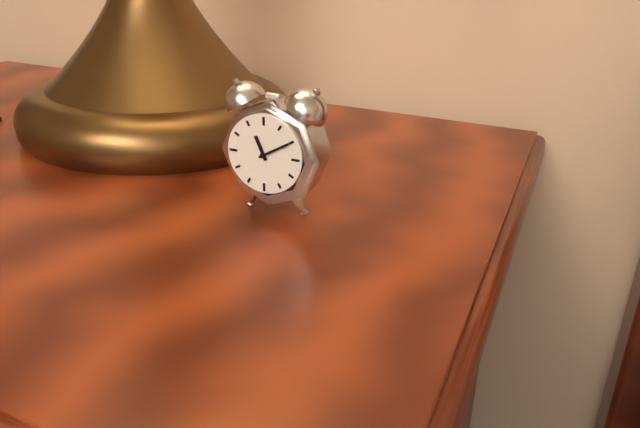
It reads 11,10
